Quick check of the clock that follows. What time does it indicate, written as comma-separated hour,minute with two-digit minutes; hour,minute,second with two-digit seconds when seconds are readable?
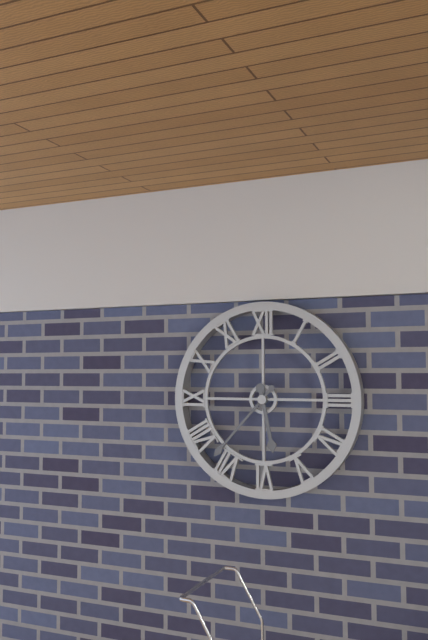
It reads 5,37
